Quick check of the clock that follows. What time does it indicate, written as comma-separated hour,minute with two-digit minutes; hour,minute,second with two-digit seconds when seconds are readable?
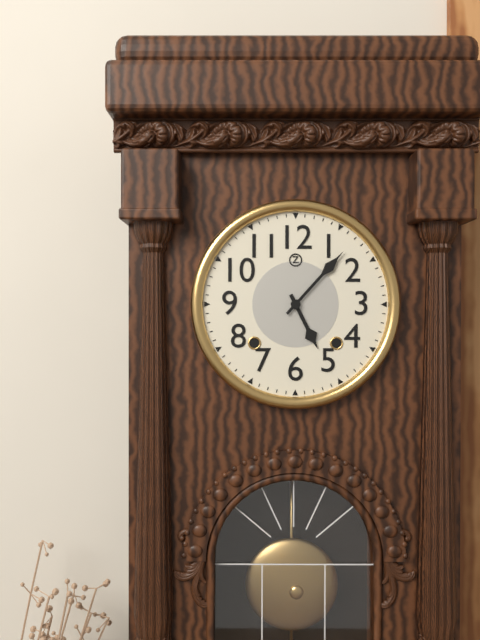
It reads 5,07
